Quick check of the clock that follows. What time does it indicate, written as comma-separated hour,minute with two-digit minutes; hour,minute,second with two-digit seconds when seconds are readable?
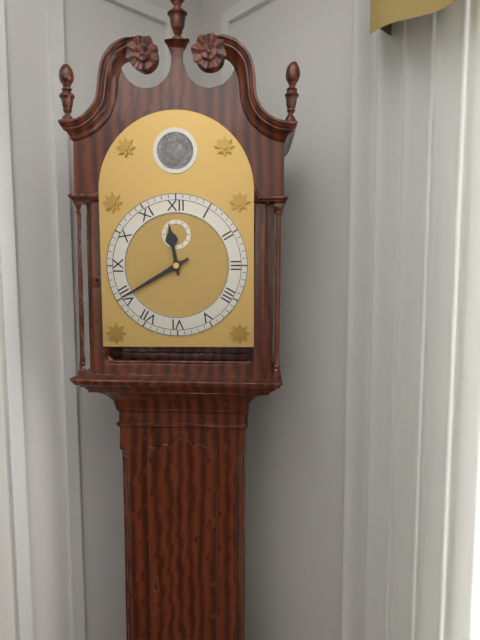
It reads 11,40
